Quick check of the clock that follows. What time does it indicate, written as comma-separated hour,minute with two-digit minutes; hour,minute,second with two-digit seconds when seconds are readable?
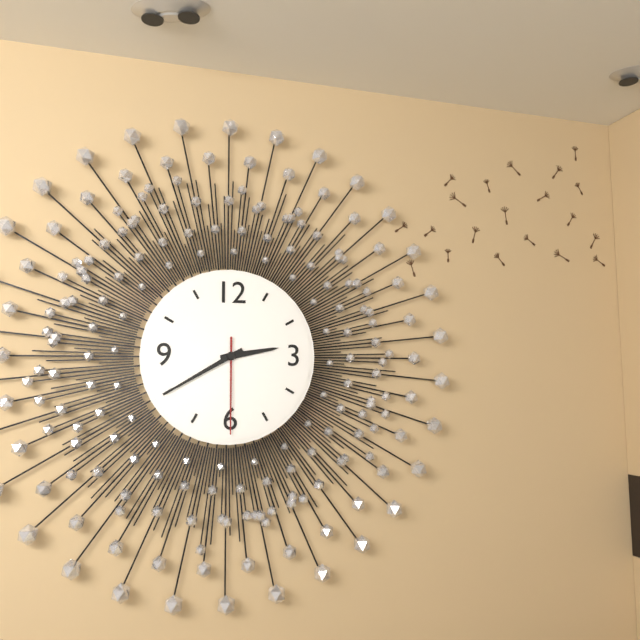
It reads 2,40,30
